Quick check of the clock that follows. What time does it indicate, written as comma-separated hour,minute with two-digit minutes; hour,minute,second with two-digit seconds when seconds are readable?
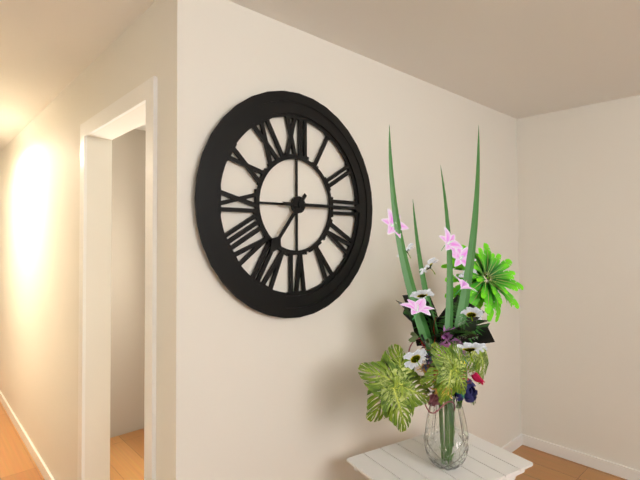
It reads 7,15
